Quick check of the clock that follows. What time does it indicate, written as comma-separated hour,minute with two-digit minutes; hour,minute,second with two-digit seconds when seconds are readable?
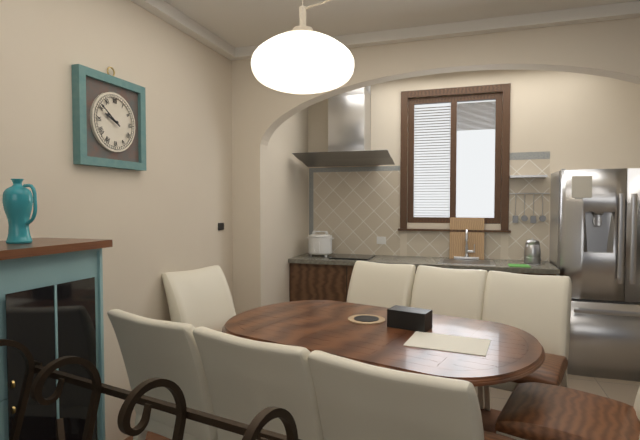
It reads 9,51
